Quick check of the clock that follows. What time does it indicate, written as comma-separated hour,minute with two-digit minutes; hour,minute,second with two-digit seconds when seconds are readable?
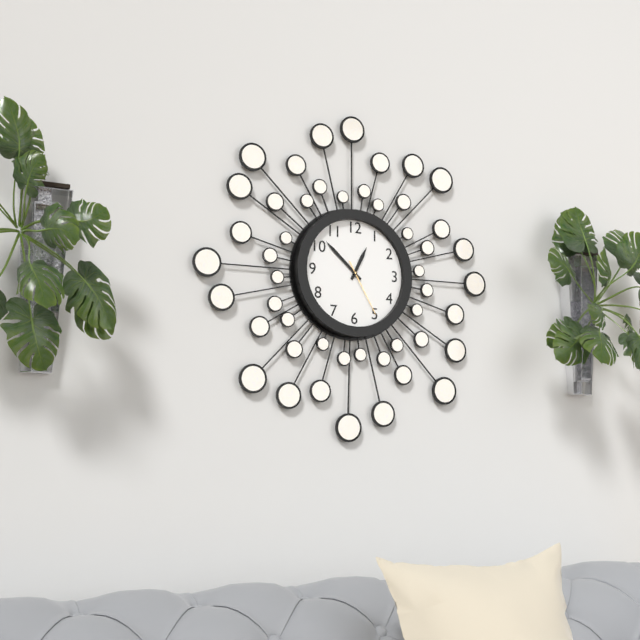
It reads 12,52,25
